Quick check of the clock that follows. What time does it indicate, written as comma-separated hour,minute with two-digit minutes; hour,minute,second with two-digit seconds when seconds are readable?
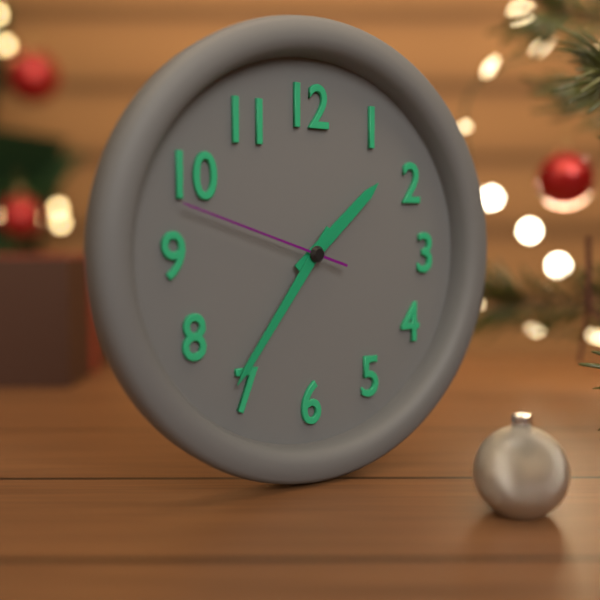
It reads 1,36,48
